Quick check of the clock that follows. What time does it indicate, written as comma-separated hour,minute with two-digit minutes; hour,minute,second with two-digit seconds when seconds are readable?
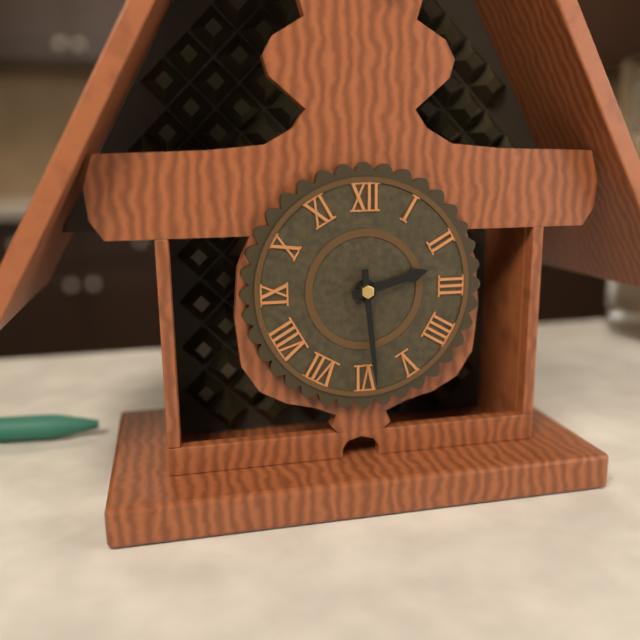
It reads 2,29
